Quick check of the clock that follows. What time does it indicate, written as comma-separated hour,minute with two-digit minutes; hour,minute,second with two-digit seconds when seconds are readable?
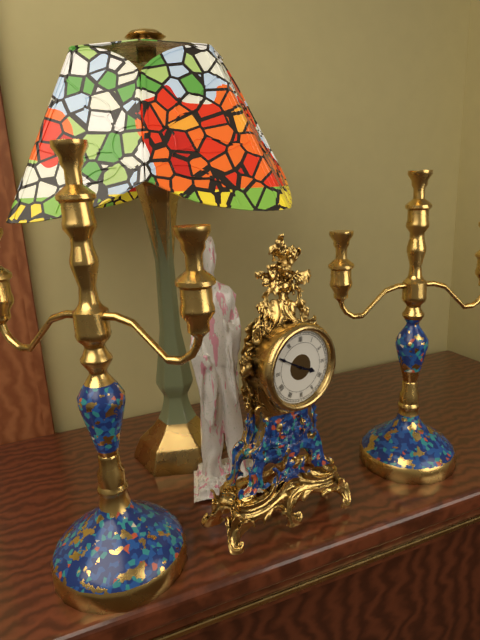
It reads 3,50
